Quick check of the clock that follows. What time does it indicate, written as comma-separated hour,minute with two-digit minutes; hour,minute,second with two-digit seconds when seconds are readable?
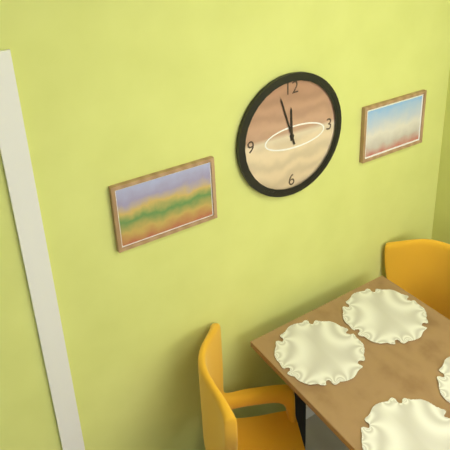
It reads 11,57
